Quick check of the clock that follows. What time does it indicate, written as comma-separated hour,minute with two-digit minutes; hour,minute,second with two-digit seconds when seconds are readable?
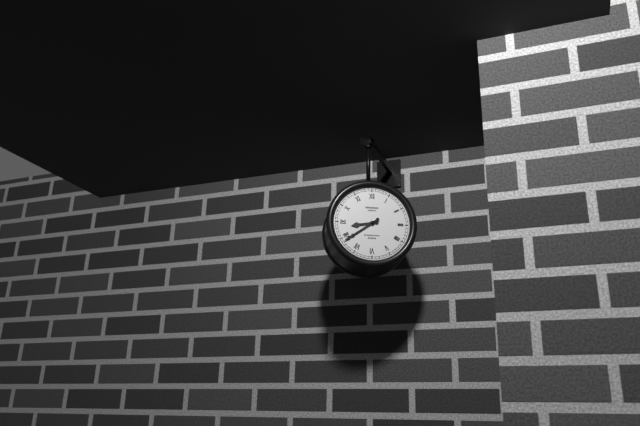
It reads 8,39
